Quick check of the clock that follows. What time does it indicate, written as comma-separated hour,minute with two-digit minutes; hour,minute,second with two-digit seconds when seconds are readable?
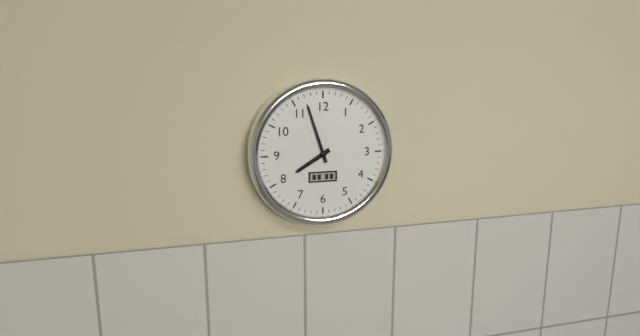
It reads 7,57
